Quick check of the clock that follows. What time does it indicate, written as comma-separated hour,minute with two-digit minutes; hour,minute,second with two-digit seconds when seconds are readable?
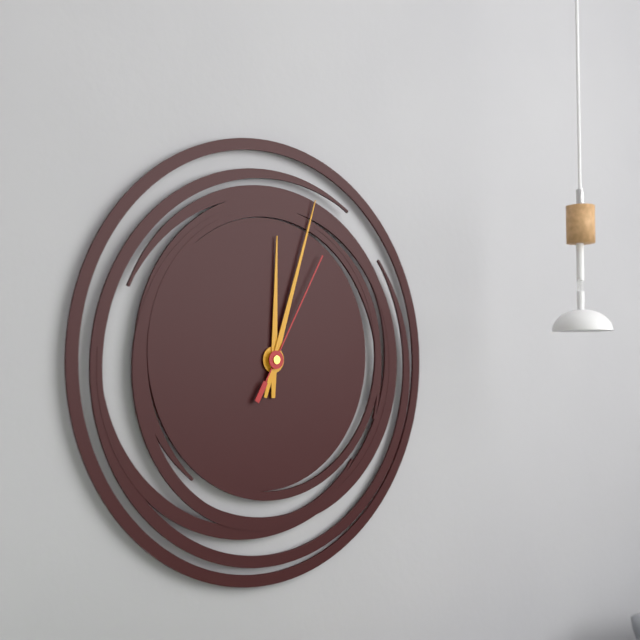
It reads 12,03,05
